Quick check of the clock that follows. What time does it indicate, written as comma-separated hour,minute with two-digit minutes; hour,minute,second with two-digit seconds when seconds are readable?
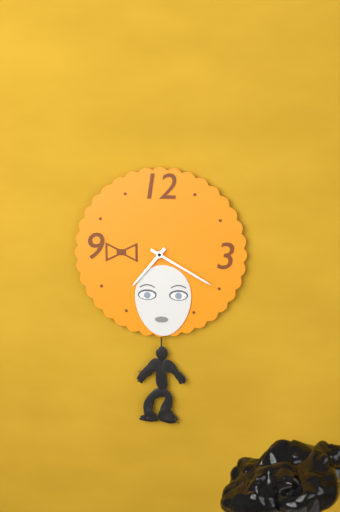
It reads 7,20
